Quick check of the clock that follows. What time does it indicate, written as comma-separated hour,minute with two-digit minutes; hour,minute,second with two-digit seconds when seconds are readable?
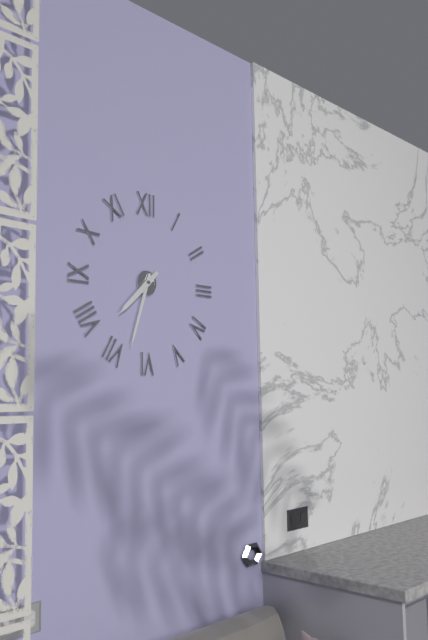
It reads 7,33
